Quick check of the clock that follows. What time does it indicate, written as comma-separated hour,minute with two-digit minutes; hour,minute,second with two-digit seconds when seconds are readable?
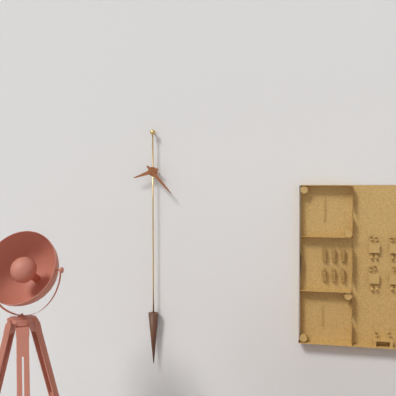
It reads 8,23
